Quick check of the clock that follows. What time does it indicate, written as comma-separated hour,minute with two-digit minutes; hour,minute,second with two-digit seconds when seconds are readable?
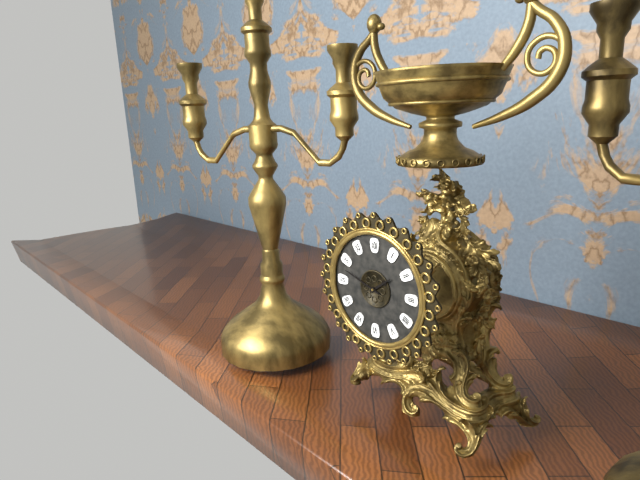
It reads 1,48
